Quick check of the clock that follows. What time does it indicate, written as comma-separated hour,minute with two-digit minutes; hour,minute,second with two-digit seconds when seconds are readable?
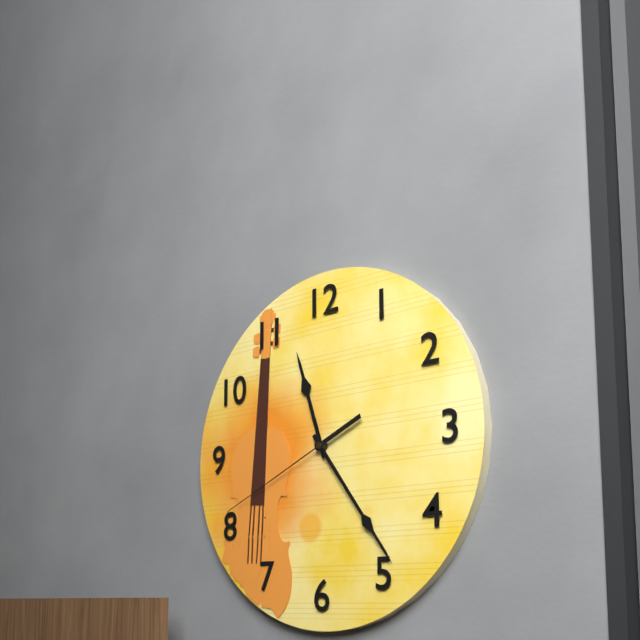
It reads 11,24,41
